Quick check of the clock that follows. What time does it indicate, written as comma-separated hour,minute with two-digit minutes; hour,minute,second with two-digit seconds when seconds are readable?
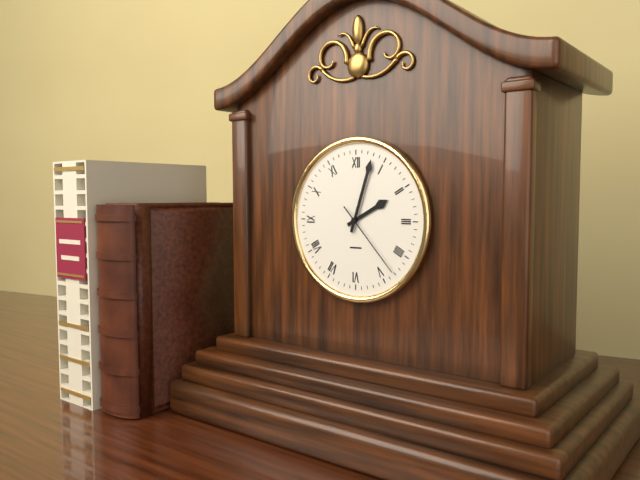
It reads 2,03,23
